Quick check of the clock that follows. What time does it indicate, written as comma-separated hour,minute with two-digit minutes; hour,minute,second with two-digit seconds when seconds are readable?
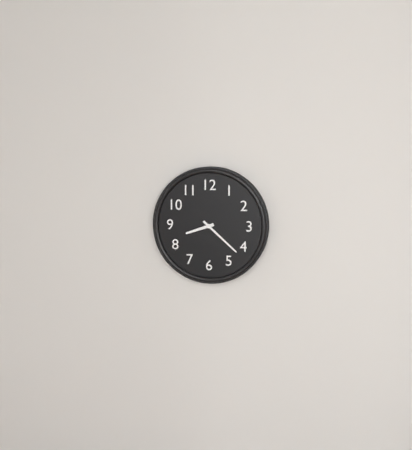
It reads 8,22
